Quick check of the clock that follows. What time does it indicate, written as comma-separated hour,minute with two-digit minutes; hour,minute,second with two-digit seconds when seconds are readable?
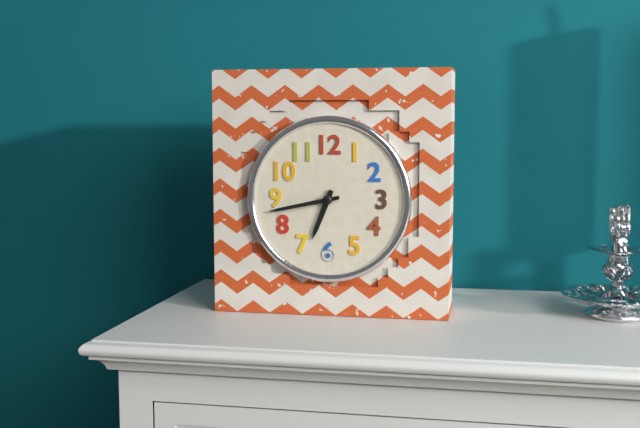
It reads 6,43
